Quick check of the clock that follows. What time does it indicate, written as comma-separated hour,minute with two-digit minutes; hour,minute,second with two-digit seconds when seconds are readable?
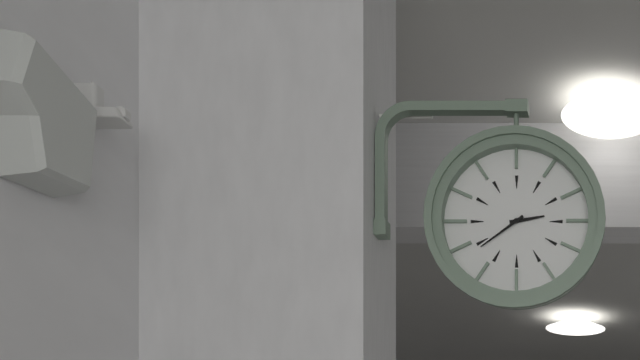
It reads 2,39
